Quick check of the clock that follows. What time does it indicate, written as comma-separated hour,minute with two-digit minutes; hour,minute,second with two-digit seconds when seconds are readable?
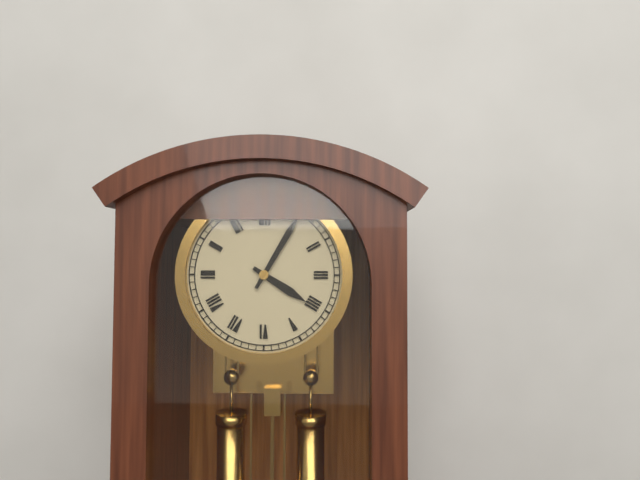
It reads 4,05
